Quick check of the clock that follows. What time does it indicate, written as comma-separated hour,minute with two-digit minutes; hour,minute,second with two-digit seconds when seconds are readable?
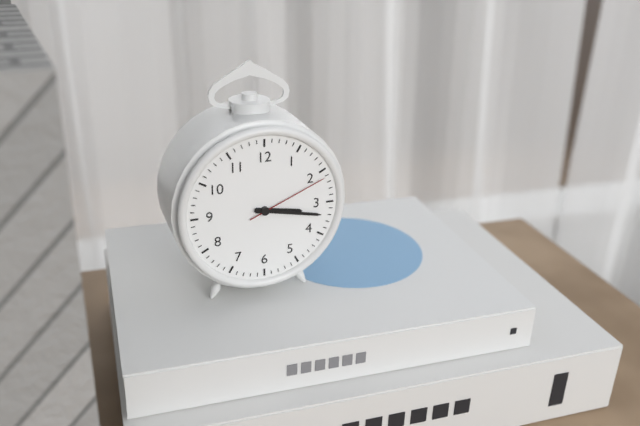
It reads 3,17,11
